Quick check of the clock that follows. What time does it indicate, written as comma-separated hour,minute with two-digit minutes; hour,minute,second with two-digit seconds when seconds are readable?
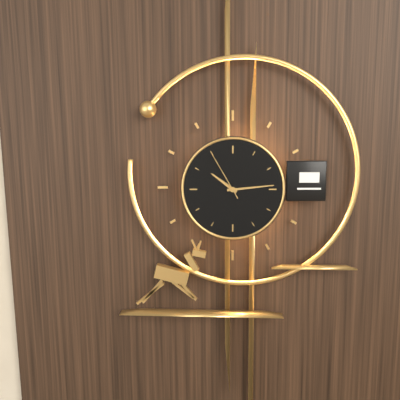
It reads 10,14,55
